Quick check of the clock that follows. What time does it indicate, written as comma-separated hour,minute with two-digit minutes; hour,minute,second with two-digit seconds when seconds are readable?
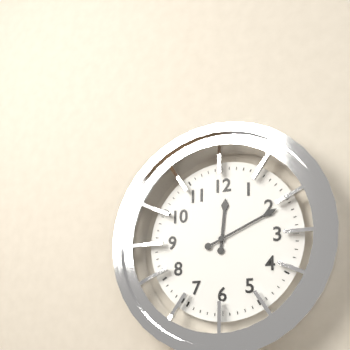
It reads 12,11
